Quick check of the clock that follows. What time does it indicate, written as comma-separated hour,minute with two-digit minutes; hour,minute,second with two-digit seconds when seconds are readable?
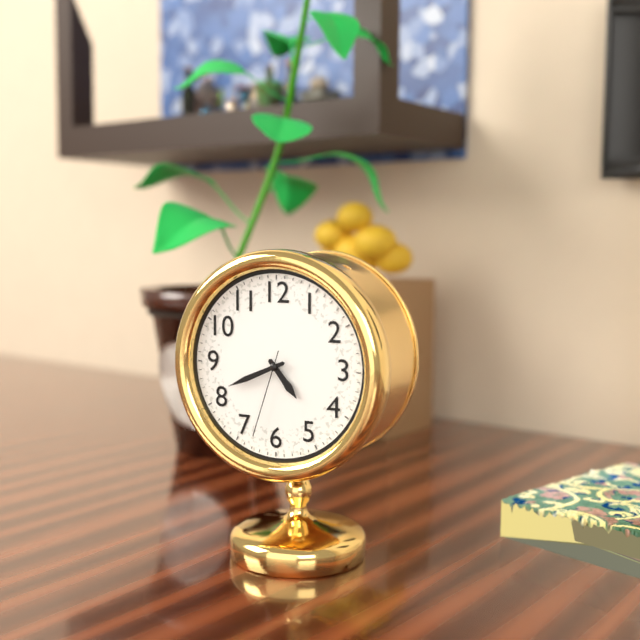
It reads 4,41,33
